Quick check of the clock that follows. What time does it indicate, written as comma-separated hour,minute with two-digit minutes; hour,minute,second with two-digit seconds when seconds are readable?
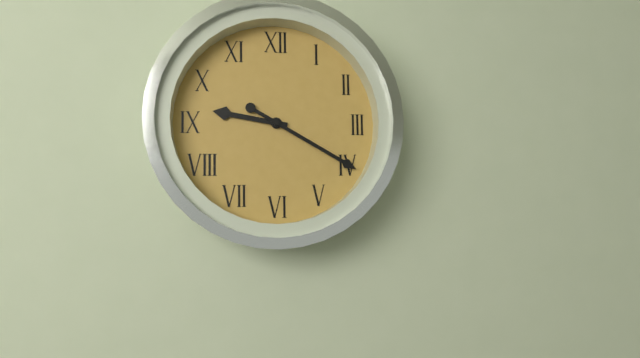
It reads 9,20
